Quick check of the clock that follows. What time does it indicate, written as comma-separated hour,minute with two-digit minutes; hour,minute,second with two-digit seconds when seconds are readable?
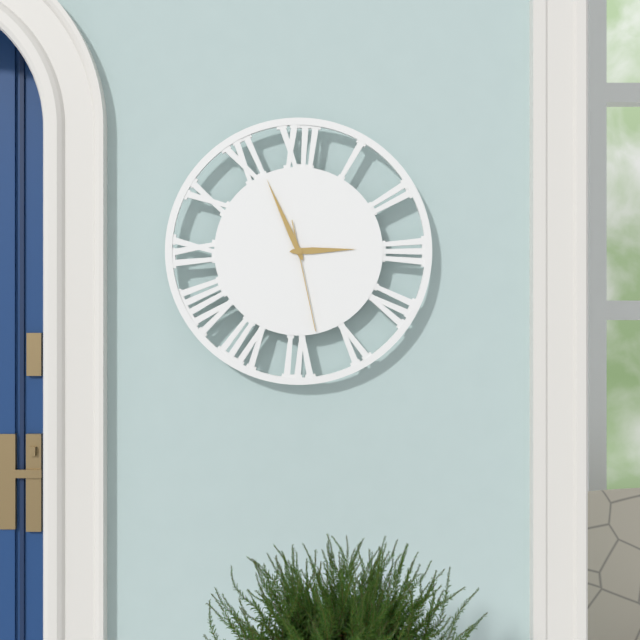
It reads 2,56,28
